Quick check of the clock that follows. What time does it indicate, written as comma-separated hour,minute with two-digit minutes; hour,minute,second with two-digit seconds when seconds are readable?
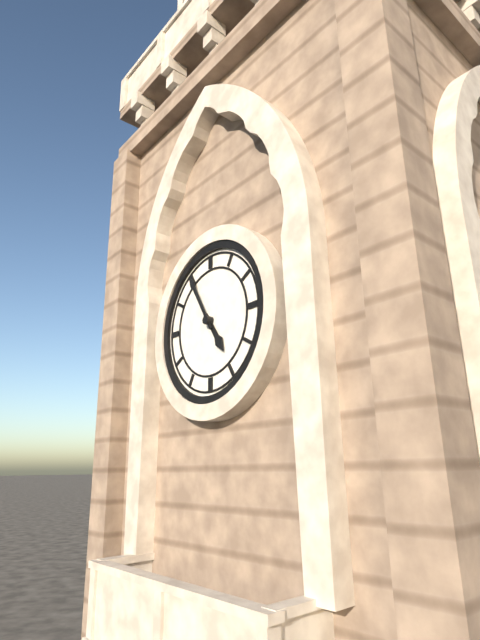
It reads 4,55
